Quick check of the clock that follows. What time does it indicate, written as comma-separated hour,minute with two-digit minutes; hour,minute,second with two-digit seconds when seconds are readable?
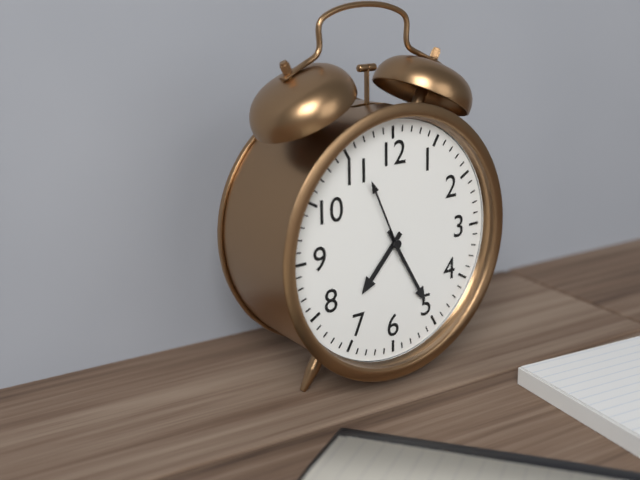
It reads 7,25,56
